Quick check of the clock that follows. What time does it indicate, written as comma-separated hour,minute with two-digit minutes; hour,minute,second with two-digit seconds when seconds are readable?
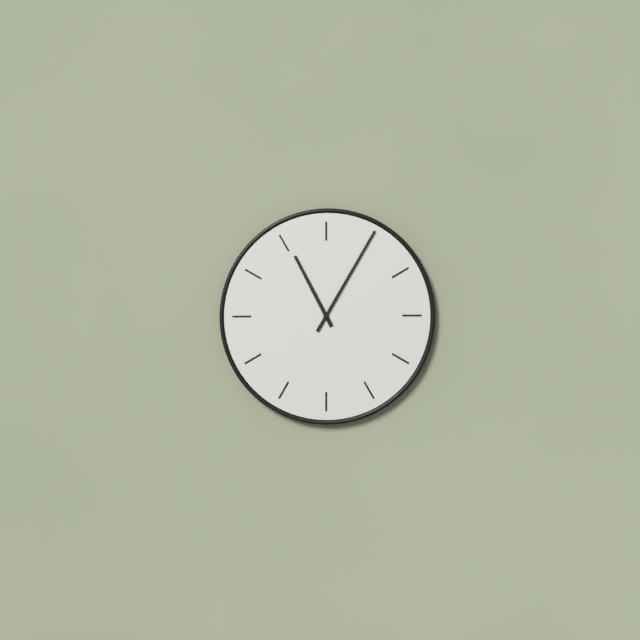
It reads 11,05
